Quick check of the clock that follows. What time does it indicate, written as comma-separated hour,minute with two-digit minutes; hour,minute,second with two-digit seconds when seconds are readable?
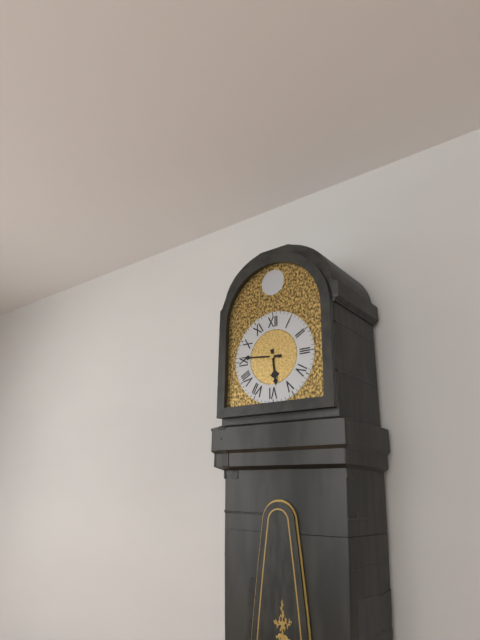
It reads 5,46
